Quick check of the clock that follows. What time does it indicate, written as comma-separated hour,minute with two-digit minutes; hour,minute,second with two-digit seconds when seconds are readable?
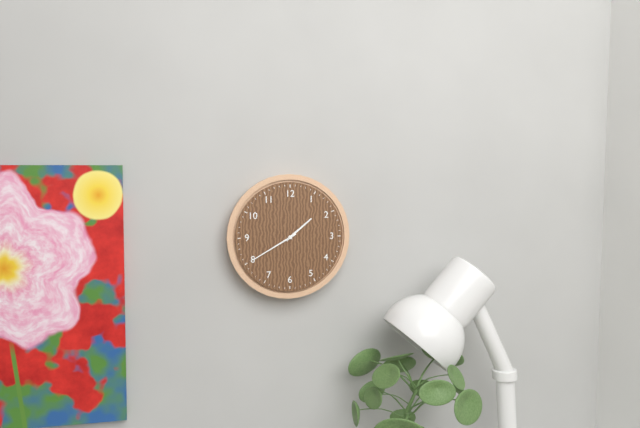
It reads 1,40
